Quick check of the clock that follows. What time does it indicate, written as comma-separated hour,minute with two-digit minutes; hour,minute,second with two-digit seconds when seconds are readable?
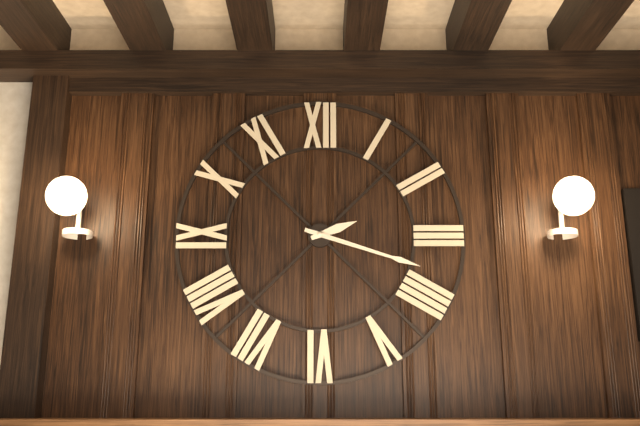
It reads 2,18
